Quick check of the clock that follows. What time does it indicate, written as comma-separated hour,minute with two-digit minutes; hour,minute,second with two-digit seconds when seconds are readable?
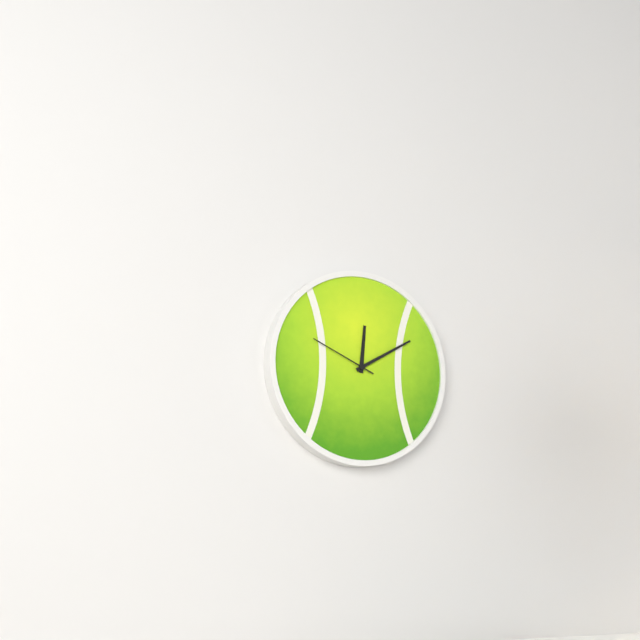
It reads 12,10,49
